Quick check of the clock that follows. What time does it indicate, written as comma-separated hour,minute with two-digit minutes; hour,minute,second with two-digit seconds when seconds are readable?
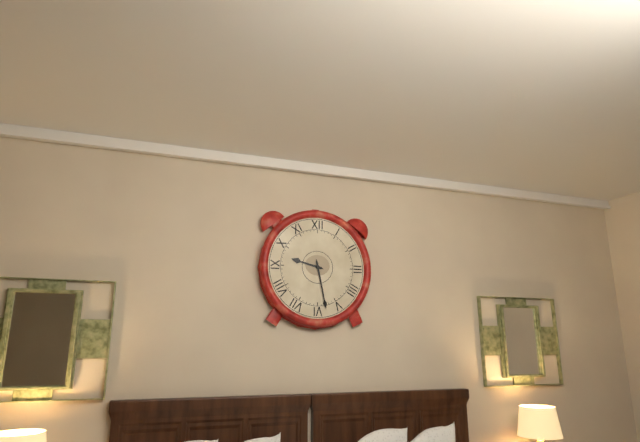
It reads 9,28
